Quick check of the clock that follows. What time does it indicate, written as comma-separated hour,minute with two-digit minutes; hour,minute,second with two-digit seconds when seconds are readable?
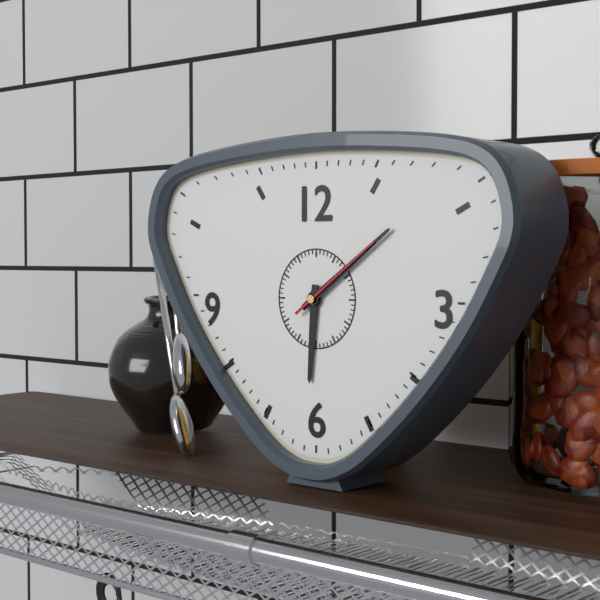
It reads 6,09,09
